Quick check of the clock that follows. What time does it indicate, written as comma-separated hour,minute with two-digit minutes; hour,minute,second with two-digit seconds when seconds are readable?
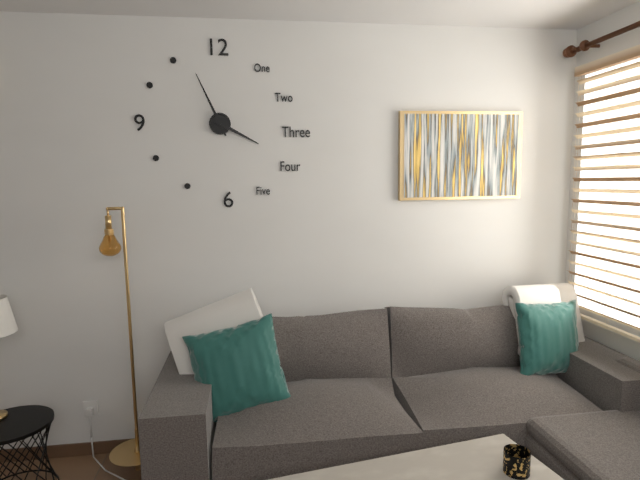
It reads 3,56
